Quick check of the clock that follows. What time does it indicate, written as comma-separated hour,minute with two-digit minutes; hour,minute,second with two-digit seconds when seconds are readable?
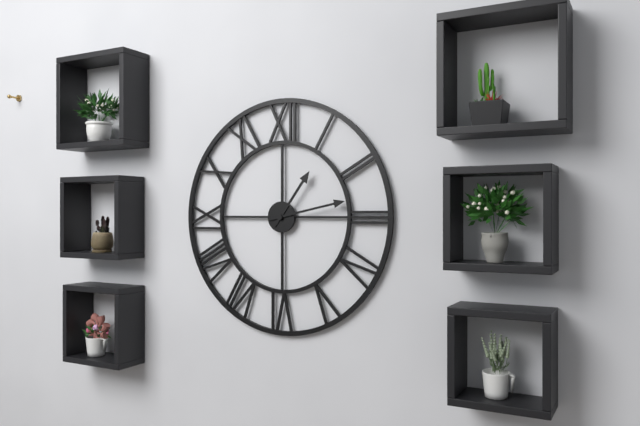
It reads 1,13
